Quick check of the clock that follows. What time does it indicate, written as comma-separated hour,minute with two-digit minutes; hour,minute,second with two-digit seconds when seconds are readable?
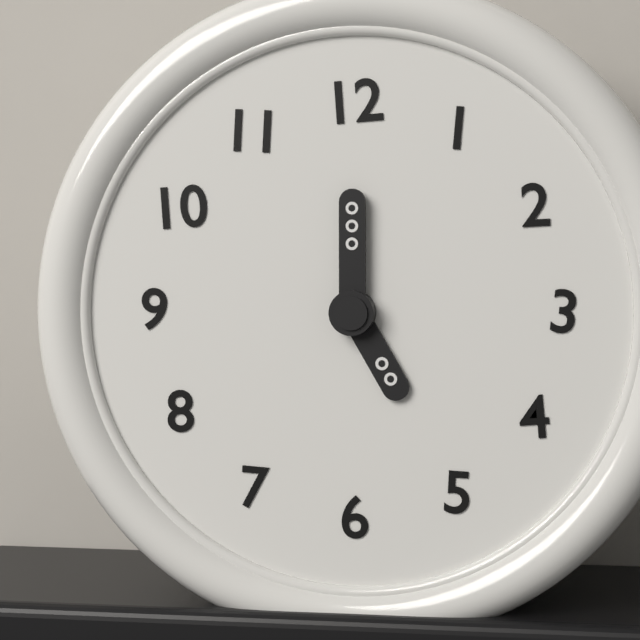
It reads 5,00
